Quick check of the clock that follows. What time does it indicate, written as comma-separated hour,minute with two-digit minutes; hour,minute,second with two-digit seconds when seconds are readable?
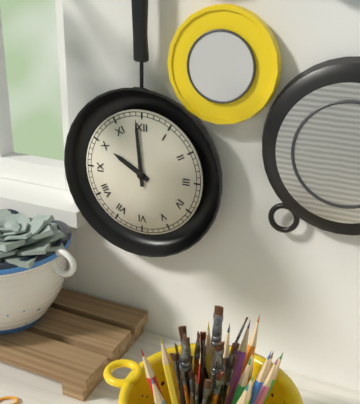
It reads 9,59
